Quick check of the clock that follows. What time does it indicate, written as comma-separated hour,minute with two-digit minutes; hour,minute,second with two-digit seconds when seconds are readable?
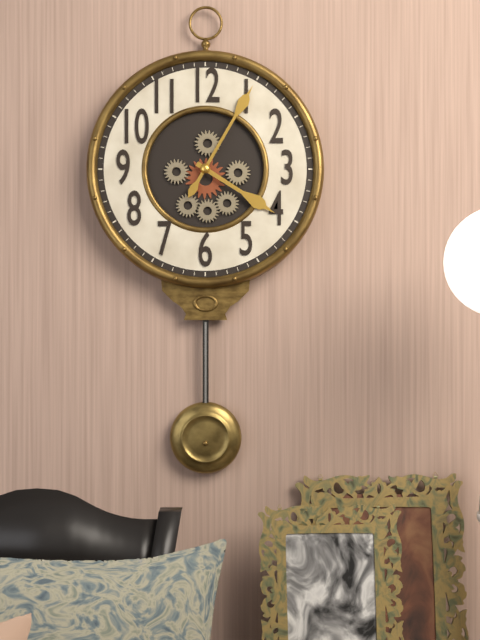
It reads 4,05
